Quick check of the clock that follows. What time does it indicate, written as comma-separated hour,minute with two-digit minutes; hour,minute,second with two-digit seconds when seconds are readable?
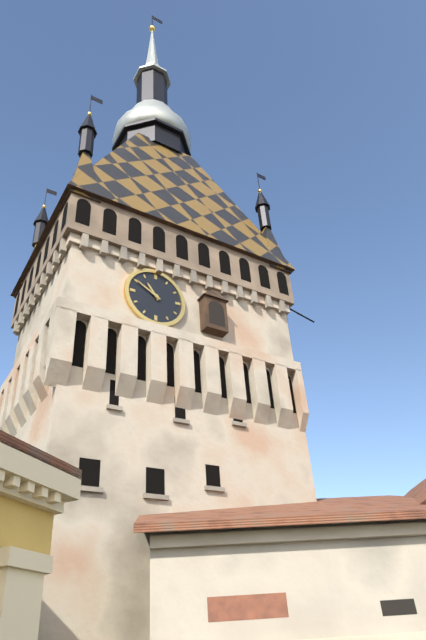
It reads 10,50
